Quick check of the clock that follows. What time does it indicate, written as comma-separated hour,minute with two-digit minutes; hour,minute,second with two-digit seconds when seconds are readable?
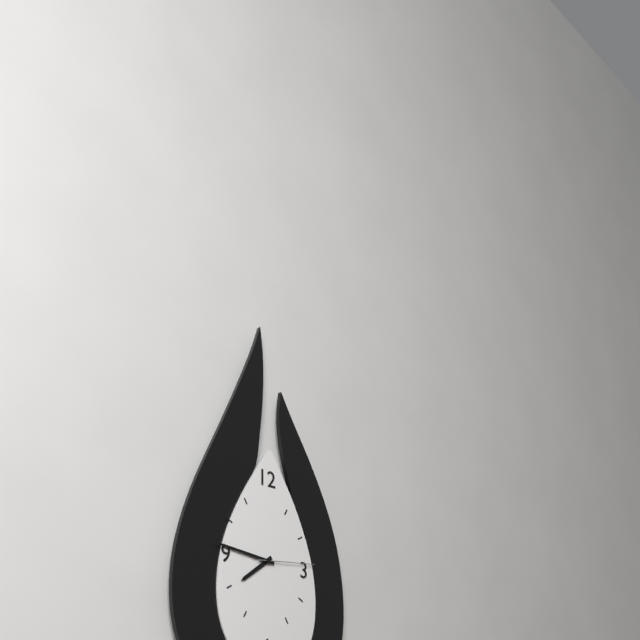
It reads 7,46,14
